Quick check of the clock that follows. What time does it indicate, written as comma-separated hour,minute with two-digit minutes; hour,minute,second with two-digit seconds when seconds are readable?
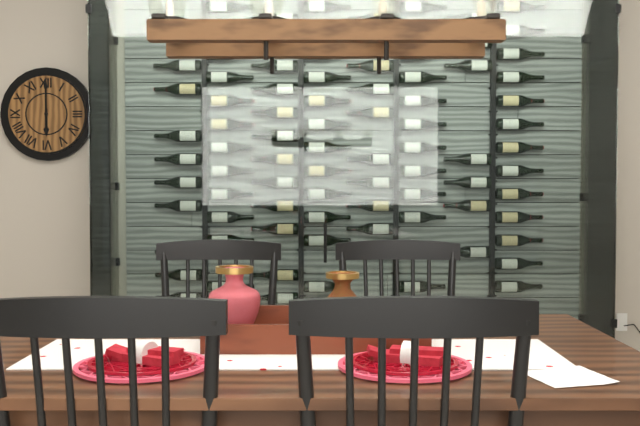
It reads 6,00
